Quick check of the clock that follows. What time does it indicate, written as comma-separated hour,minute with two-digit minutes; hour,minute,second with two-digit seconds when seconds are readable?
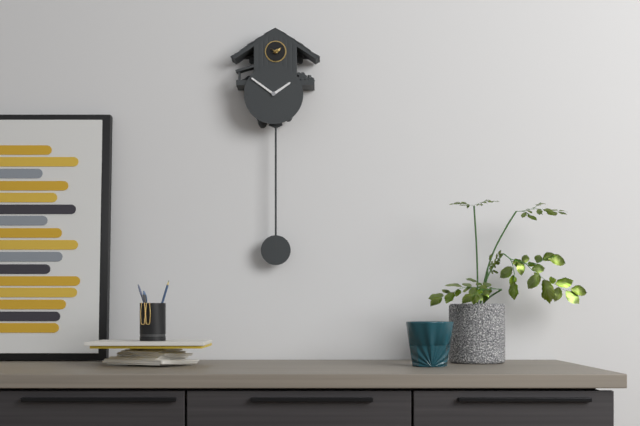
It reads 1,51
